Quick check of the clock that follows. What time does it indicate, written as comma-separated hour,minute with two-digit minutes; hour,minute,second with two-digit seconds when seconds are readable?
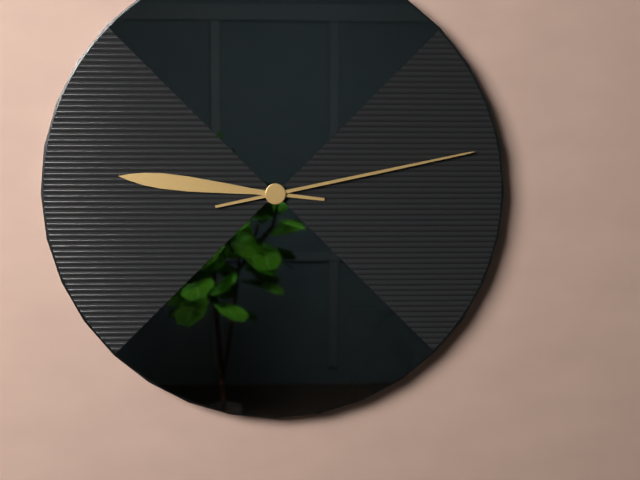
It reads 9,13
